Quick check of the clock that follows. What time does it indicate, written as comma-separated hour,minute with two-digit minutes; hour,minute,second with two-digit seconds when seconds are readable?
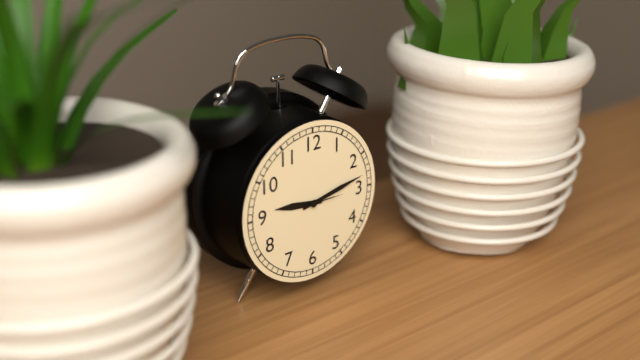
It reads 9,13
